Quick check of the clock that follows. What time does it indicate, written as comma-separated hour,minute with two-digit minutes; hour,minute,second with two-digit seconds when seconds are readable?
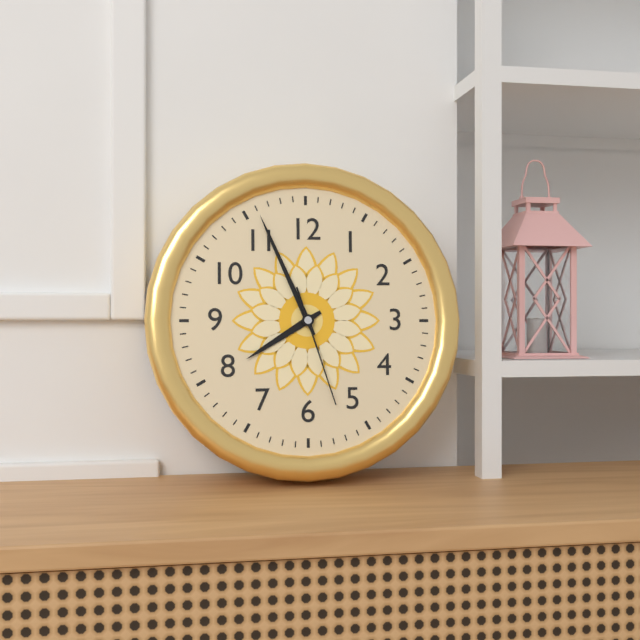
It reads 7,56,27
